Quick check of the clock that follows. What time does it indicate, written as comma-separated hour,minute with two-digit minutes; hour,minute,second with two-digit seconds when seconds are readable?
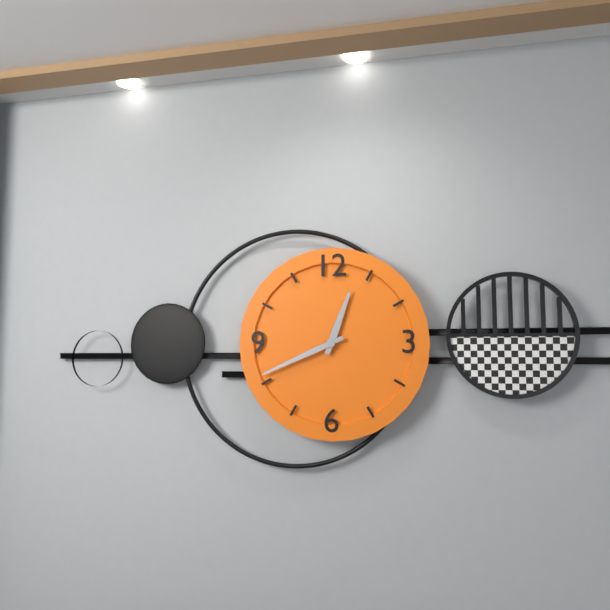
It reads 12,41
